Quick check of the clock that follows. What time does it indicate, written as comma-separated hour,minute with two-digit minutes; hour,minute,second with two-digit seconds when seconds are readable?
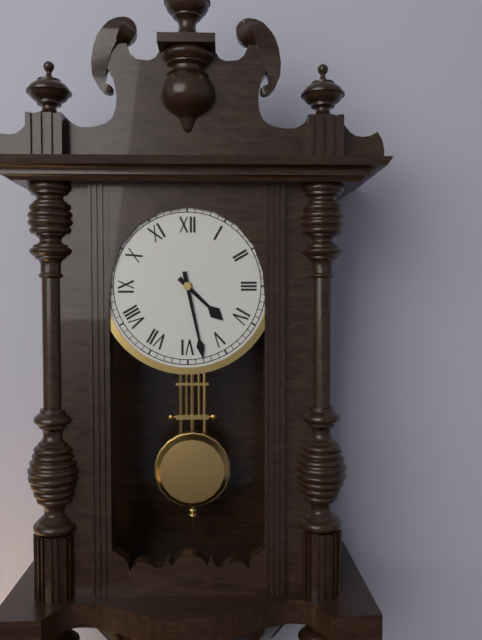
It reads 4,28
